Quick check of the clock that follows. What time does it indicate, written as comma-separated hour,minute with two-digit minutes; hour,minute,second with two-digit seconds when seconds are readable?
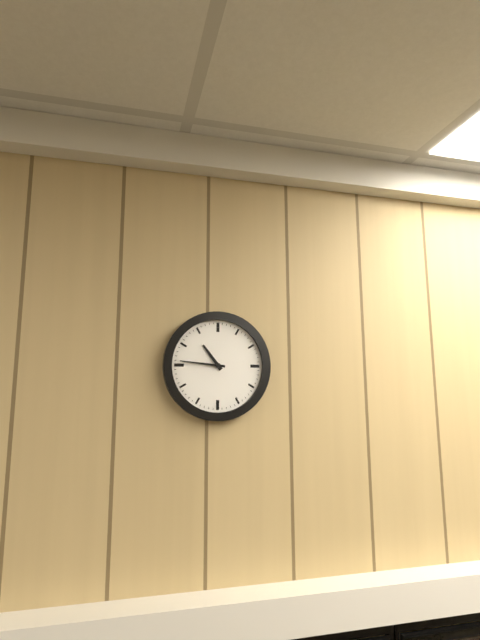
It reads 10,46
